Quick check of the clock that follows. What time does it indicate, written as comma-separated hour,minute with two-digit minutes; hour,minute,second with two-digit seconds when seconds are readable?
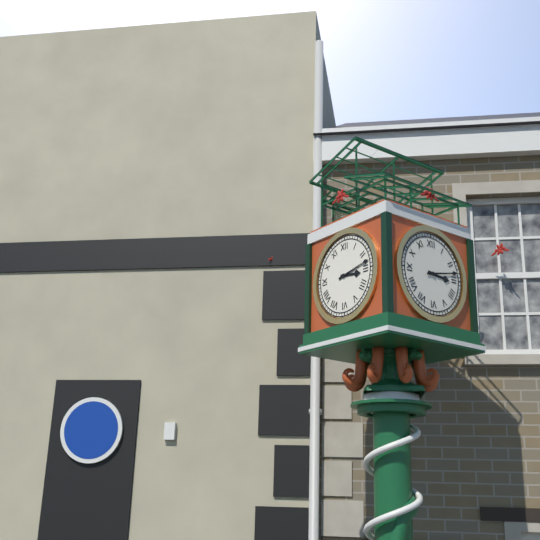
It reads 3,13
